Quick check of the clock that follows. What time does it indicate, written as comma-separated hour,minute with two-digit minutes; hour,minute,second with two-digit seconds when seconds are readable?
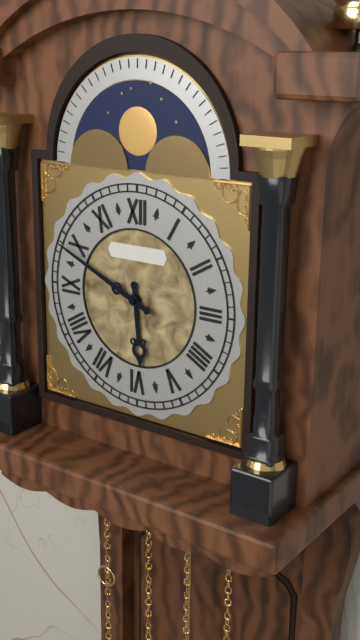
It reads 5,49
